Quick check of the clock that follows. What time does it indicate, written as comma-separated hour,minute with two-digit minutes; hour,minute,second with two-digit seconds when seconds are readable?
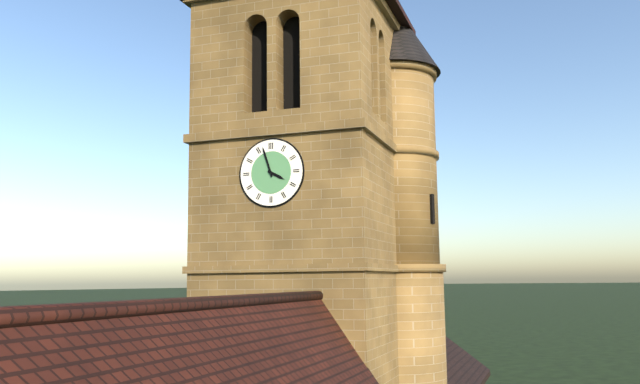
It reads 3,57
